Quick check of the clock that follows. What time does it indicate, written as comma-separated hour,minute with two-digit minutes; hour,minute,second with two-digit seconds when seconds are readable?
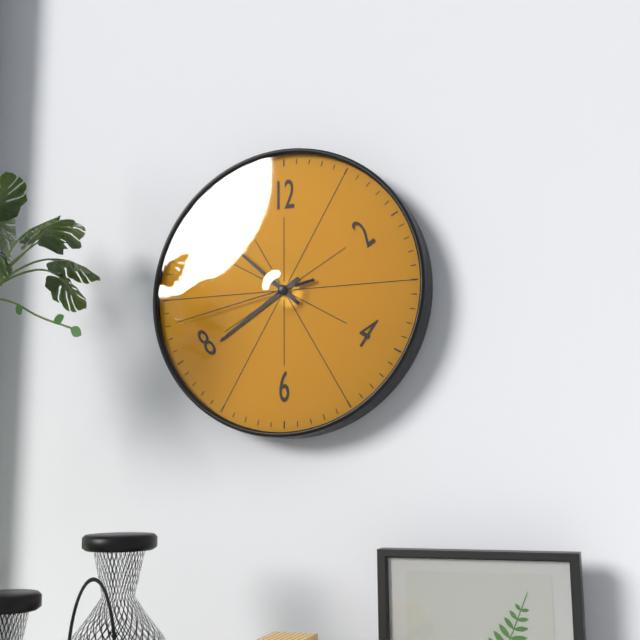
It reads 7,52,43
